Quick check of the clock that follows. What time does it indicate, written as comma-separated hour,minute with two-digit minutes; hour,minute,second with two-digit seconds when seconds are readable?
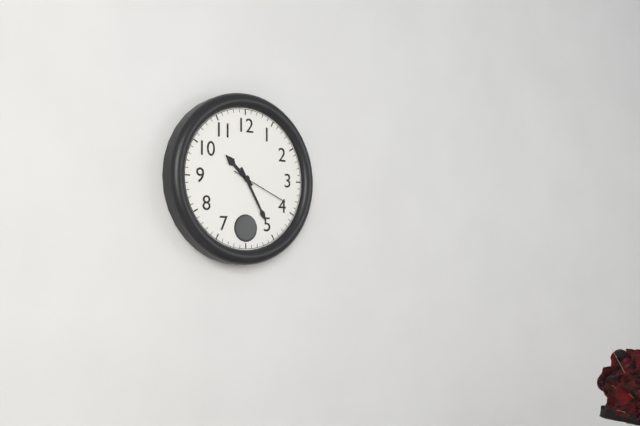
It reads 10,25,19
